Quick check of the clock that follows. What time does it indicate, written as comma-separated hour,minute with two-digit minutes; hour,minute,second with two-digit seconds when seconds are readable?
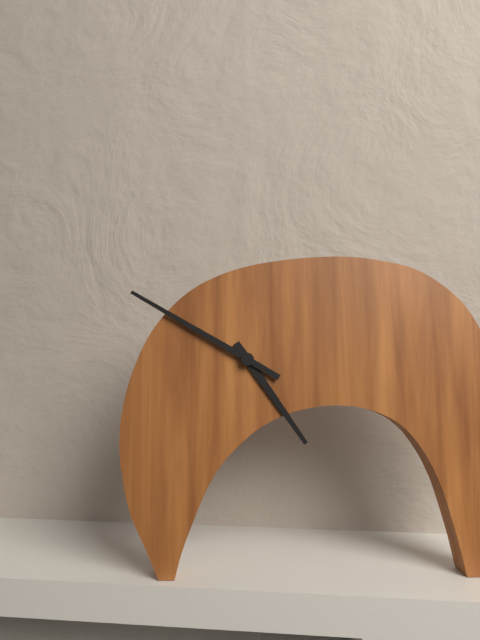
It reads 4,50
